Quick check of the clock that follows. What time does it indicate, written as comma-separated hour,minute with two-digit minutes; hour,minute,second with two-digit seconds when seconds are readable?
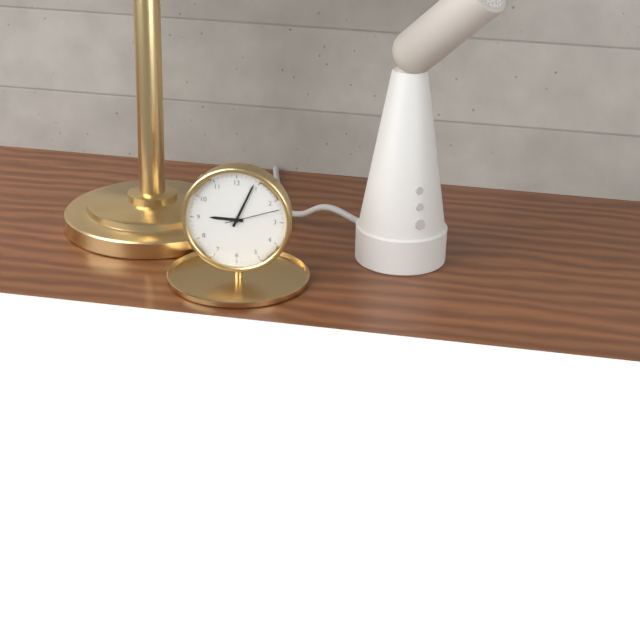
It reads 9,04,12
